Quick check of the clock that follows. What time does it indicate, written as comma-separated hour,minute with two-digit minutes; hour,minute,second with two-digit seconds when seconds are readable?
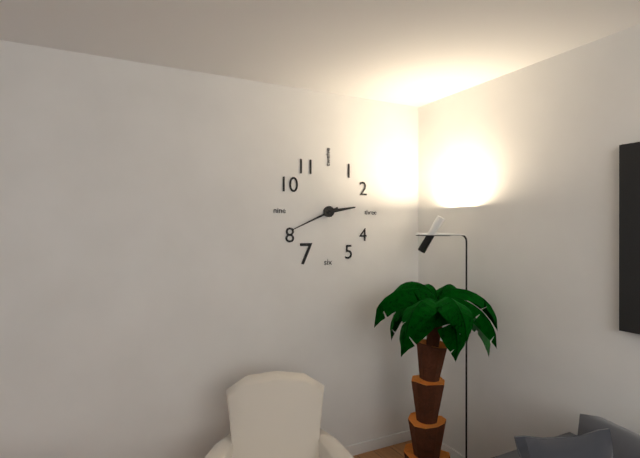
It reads 2,41
